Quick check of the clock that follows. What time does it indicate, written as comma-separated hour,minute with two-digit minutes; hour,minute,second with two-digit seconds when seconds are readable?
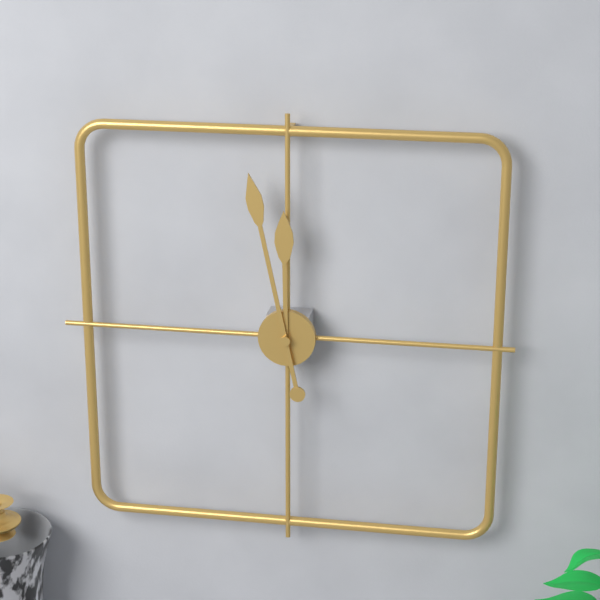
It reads 11,58
